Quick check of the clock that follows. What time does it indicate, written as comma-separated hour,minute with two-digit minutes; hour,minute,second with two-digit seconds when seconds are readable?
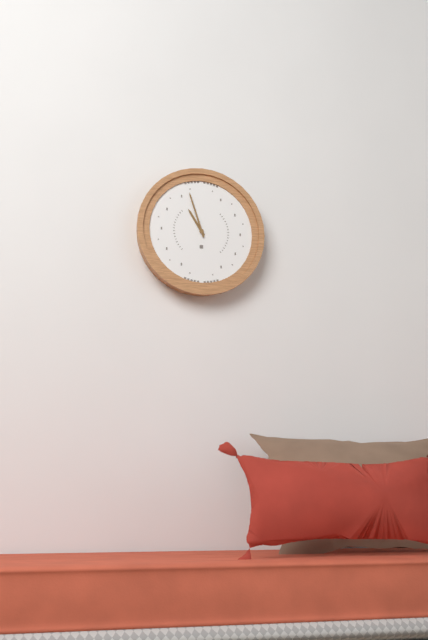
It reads 10,57
